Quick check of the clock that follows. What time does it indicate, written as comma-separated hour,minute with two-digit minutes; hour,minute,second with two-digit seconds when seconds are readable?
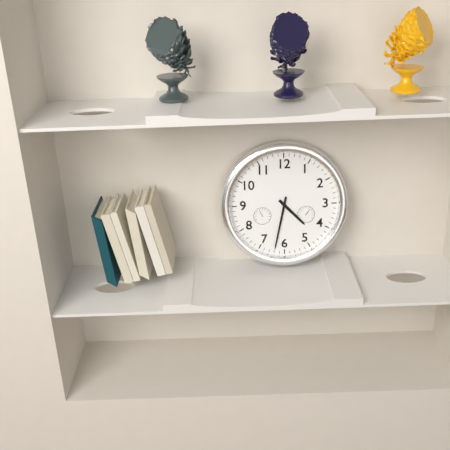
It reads 4,32
